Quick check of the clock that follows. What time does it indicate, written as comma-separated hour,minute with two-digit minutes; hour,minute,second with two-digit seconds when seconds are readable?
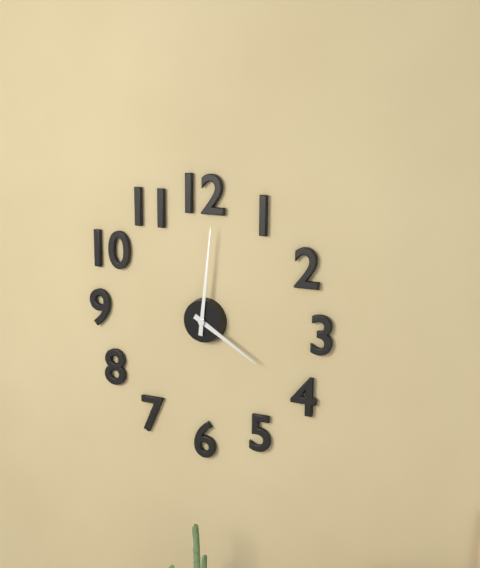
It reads 4,01
